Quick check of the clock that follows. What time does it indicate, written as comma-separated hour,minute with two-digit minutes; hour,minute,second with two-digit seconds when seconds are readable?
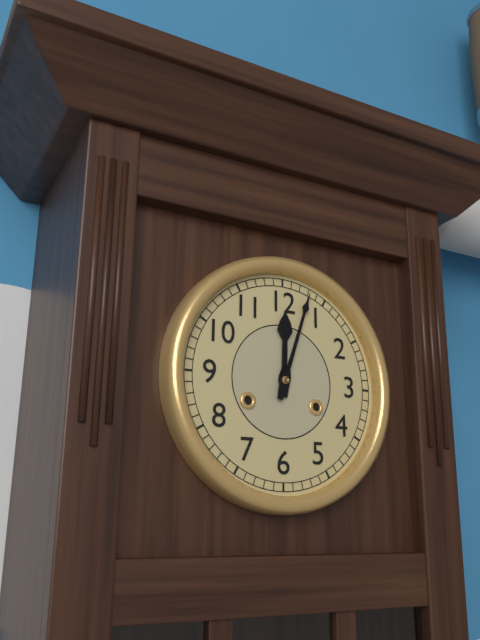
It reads 12,03
